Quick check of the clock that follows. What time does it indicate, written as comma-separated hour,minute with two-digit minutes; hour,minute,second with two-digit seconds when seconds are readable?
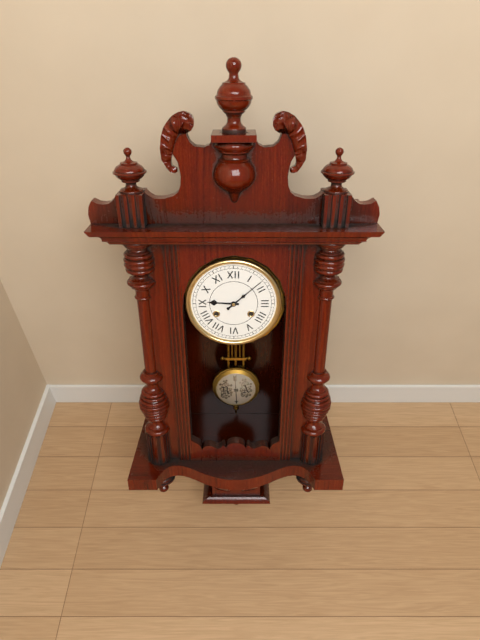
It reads 9,08
